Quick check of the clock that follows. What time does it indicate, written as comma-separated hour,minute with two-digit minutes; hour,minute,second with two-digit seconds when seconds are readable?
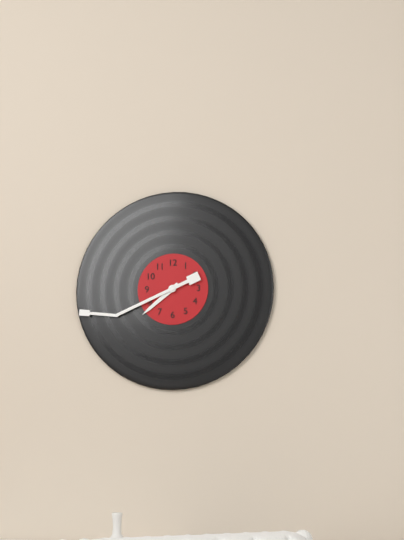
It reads 7,41
